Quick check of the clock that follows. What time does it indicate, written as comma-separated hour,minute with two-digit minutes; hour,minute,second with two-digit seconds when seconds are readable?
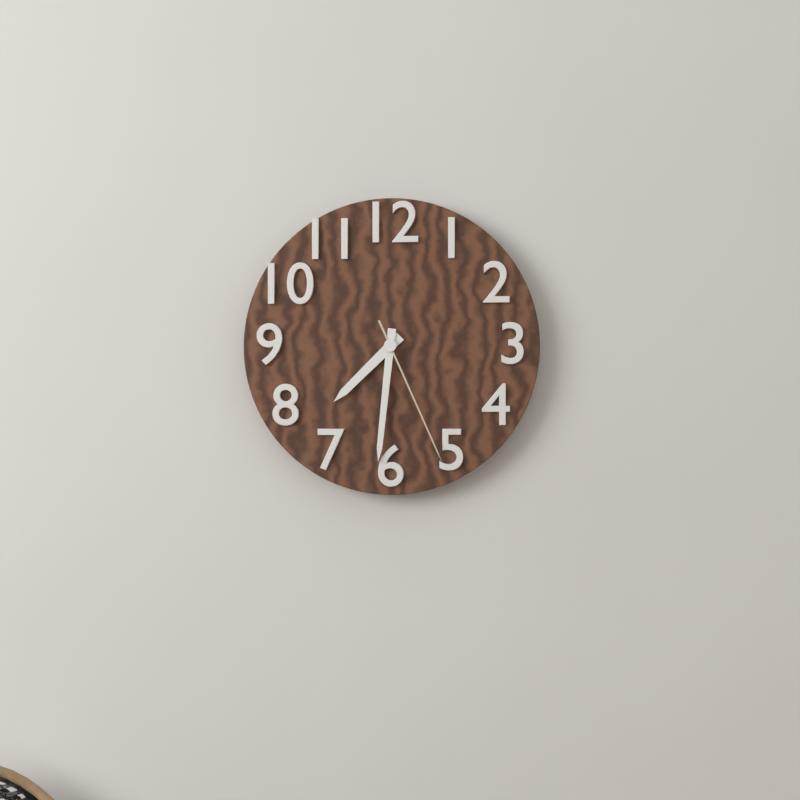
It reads 7,31,26
